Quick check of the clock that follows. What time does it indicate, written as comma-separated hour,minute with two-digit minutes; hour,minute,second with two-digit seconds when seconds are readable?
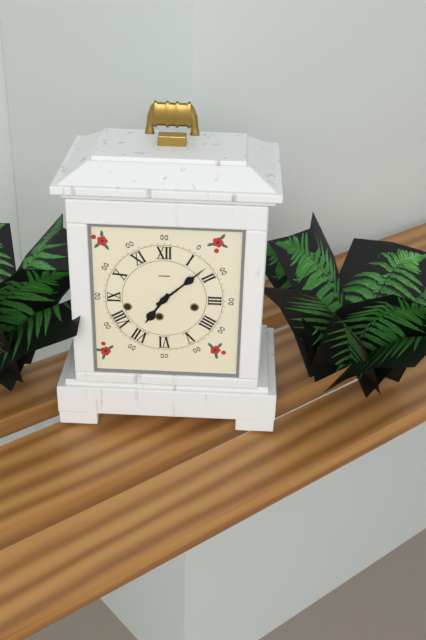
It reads 7,08
